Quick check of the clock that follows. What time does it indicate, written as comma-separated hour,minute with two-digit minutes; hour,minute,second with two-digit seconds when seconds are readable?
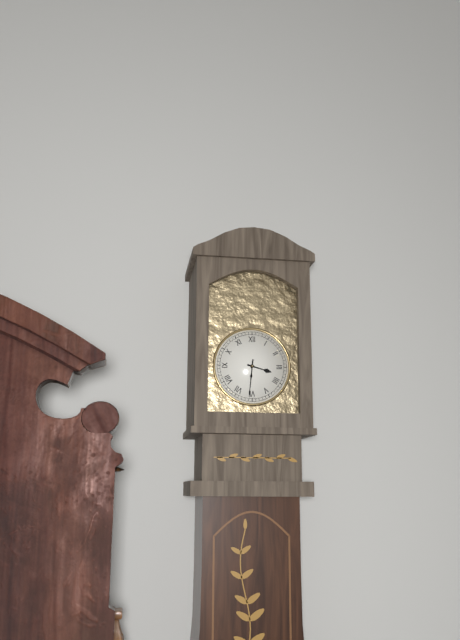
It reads 3,31
